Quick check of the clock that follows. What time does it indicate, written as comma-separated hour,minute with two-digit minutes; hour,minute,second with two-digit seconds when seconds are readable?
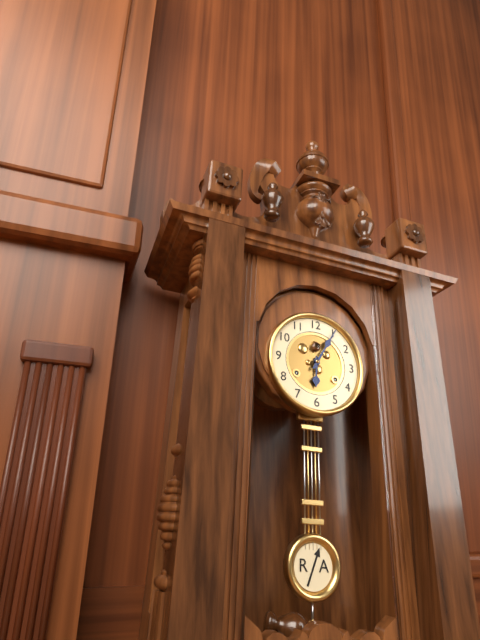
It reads 6,05
